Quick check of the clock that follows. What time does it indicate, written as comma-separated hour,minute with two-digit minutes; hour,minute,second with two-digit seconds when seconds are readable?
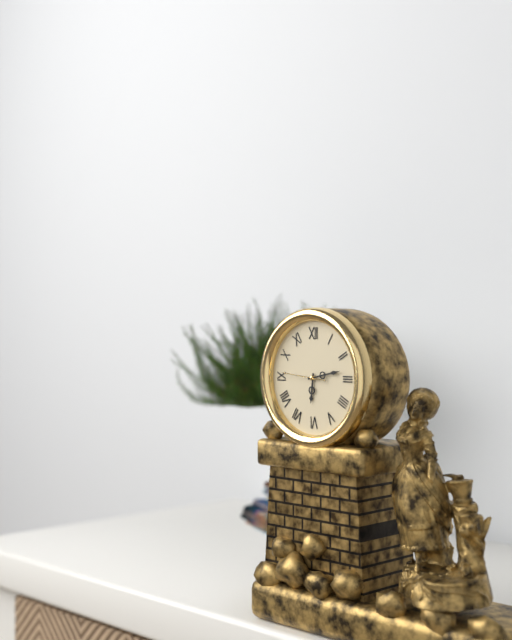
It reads 6,13
